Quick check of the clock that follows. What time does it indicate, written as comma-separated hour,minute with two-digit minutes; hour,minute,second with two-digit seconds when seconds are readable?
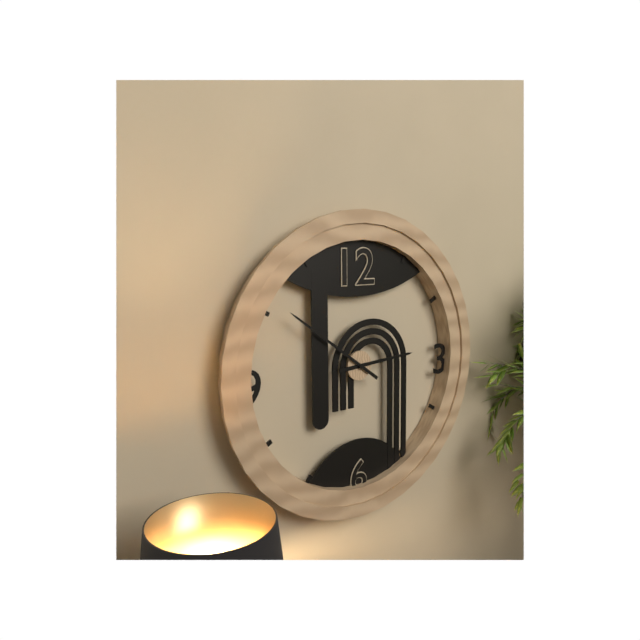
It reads 2,51
